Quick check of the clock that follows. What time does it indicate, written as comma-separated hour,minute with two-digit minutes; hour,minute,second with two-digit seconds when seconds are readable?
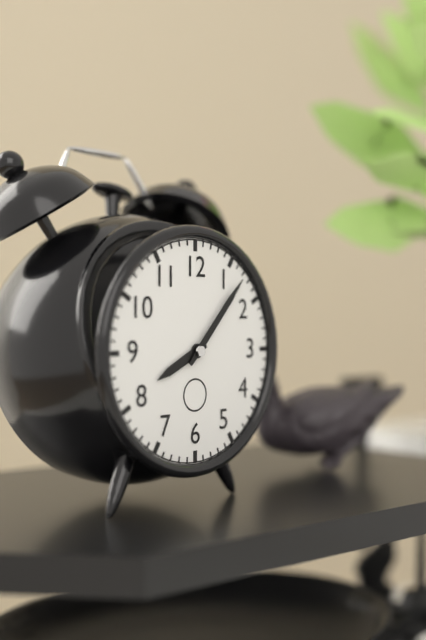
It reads 8,07
